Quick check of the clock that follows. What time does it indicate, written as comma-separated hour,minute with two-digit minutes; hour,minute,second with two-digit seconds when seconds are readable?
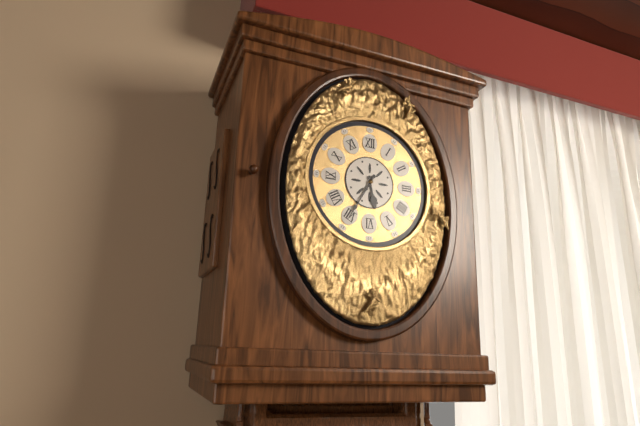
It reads 5,35
